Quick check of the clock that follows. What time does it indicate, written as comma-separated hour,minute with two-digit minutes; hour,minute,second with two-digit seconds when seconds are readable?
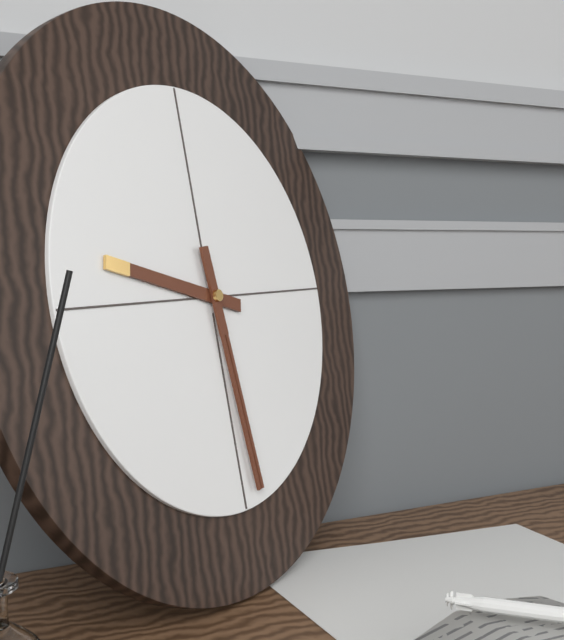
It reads 9,29
